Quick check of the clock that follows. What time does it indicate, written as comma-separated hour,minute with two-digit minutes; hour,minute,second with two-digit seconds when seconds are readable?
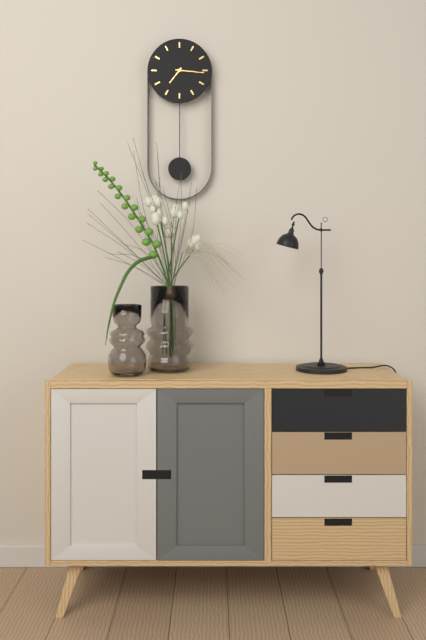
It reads 7,16
